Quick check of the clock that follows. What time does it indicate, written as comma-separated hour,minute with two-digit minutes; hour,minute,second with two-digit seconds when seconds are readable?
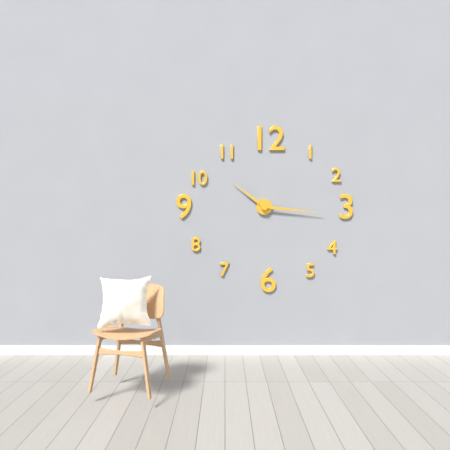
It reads 10,16
